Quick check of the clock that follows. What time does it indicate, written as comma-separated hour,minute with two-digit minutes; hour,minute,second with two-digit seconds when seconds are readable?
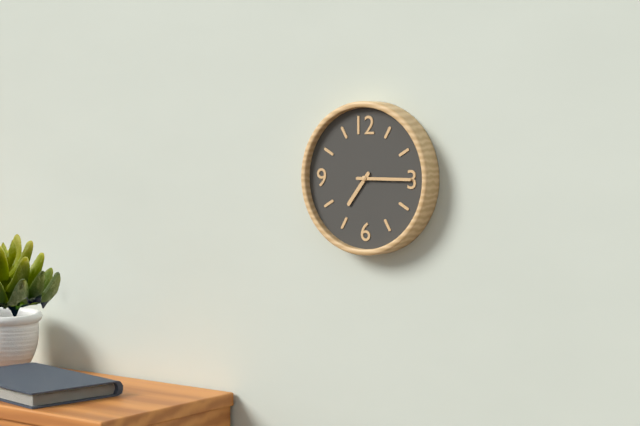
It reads 7,15
